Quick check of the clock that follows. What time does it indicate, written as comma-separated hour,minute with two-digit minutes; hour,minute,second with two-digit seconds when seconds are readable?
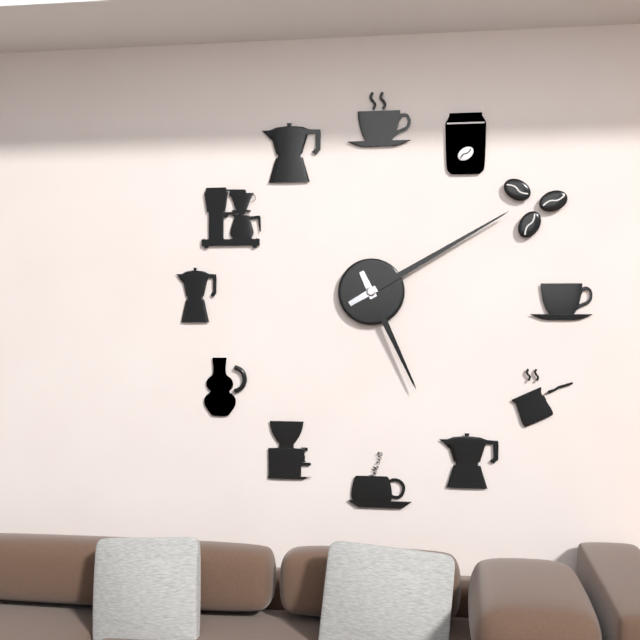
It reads 5,10
